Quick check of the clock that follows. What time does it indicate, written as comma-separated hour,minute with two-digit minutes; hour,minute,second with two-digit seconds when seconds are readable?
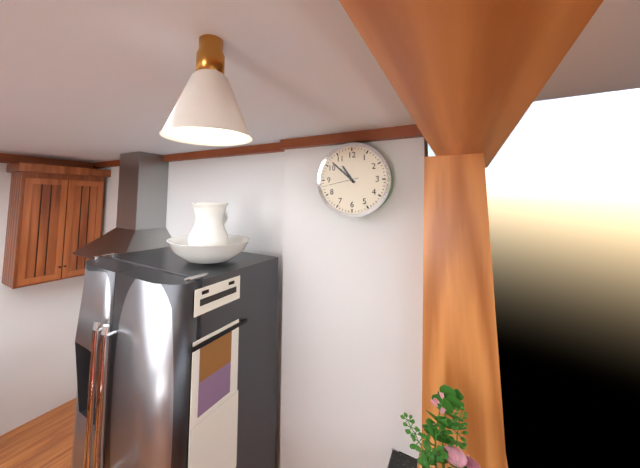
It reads 10,52
